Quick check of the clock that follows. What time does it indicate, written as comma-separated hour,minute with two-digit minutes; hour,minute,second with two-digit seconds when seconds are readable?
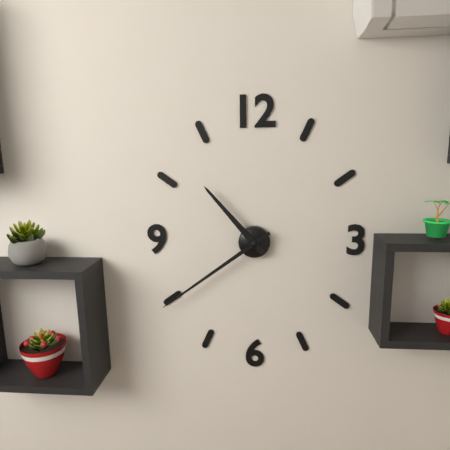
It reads 10,39
